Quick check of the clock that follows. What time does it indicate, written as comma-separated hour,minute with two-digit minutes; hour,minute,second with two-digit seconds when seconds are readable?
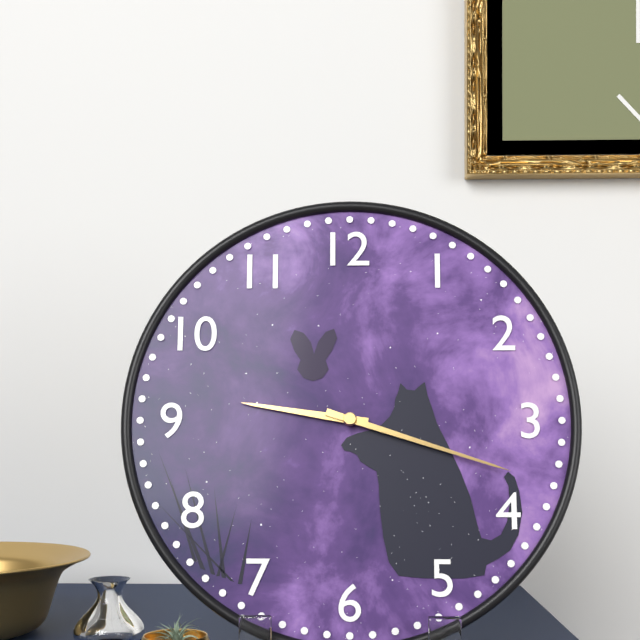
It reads 9,18
